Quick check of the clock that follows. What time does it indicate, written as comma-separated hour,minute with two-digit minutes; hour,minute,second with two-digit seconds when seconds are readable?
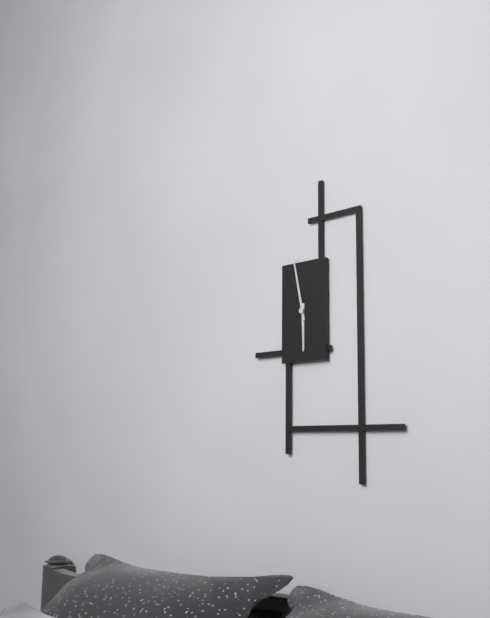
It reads 5,58
